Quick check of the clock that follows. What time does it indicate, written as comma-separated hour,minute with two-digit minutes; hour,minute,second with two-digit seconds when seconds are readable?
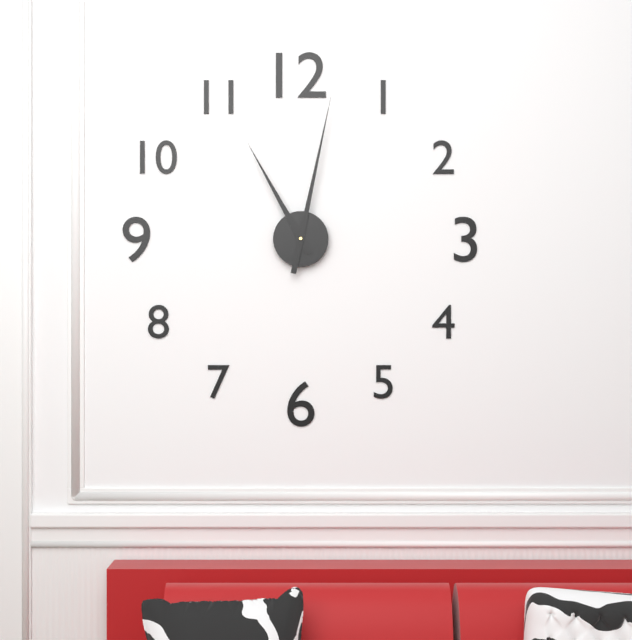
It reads 11,02
